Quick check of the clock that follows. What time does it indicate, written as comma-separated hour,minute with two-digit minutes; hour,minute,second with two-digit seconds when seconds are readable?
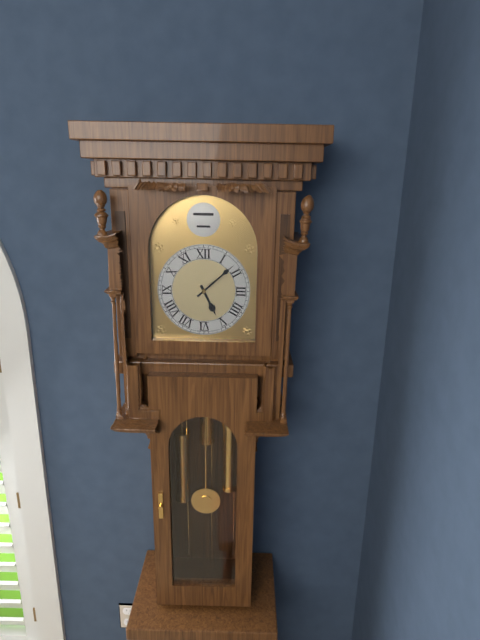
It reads 5,08
